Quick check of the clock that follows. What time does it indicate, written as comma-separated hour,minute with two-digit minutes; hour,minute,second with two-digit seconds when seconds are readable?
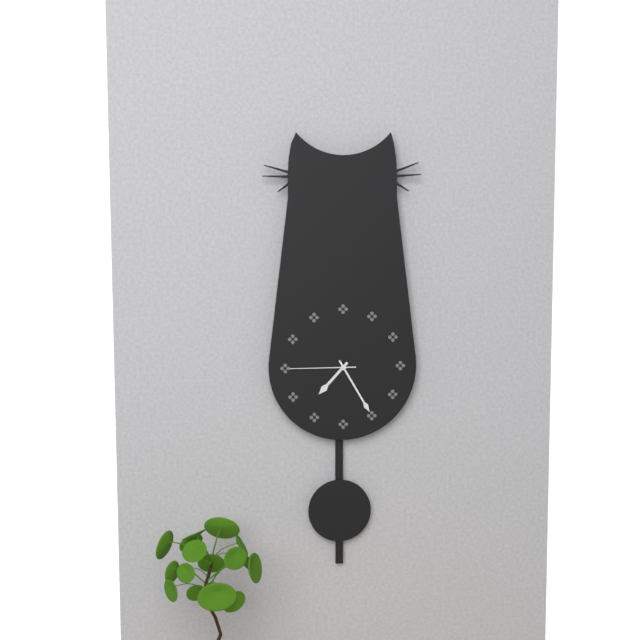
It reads 7,25,45
